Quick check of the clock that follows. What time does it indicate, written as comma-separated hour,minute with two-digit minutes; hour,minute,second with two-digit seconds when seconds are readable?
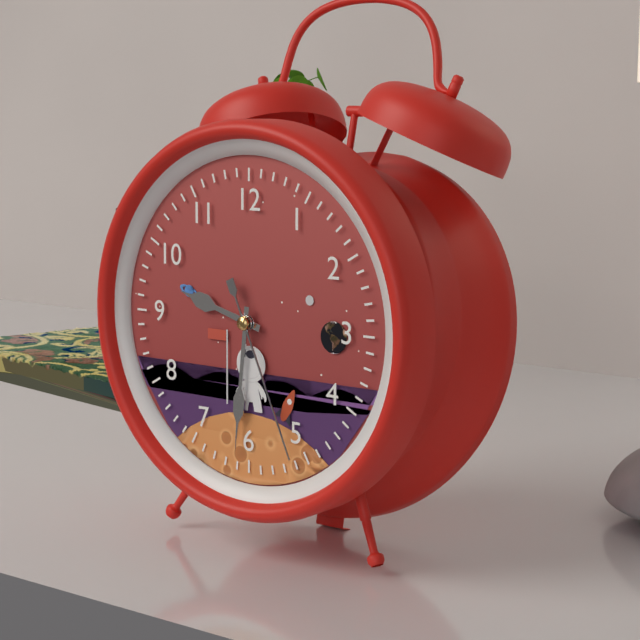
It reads 9,31,26
